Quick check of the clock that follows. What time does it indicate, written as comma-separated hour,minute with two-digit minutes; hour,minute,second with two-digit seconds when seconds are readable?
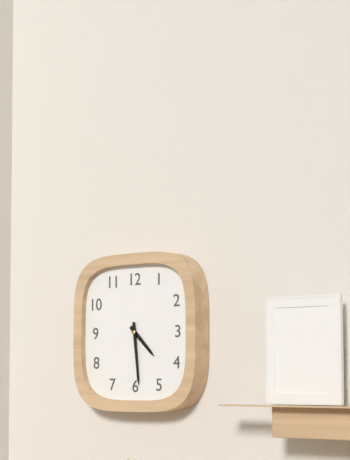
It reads 4,29
